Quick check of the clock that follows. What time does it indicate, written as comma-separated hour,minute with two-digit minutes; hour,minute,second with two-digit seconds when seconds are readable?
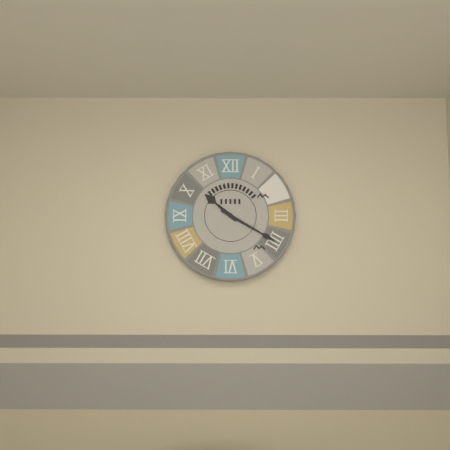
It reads 10,20
